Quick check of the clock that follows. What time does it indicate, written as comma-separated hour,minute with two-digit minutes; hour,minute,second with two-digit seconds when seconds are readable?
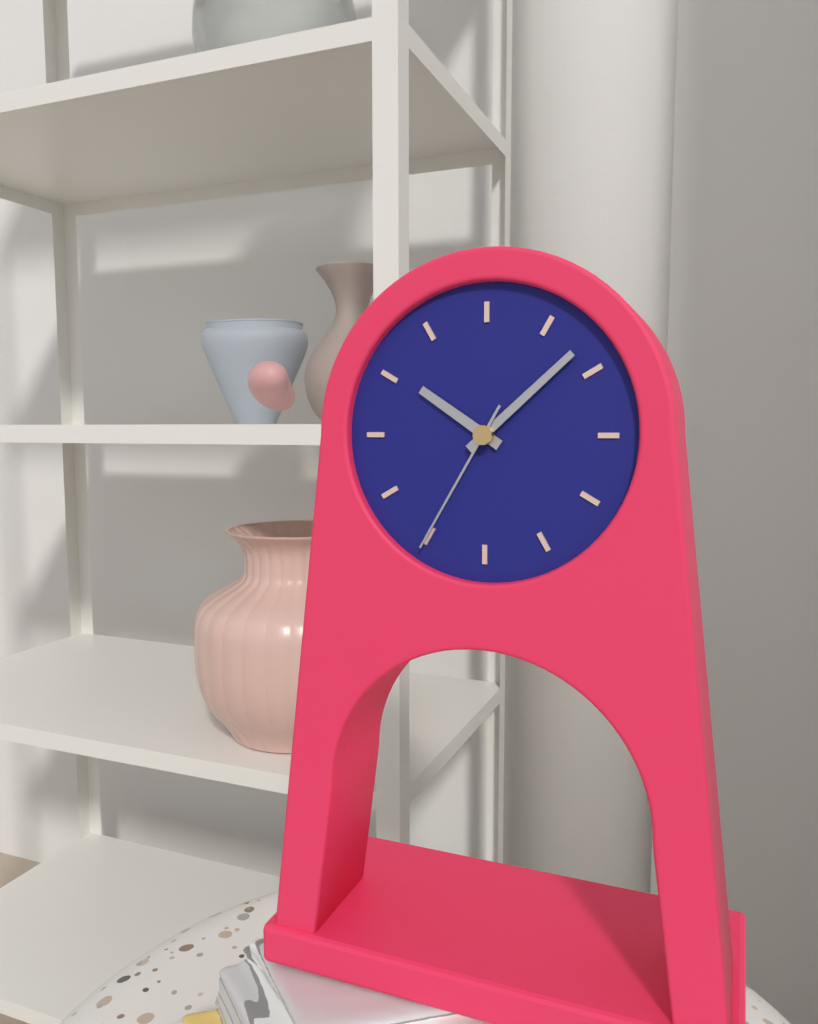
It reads 10,08,35
